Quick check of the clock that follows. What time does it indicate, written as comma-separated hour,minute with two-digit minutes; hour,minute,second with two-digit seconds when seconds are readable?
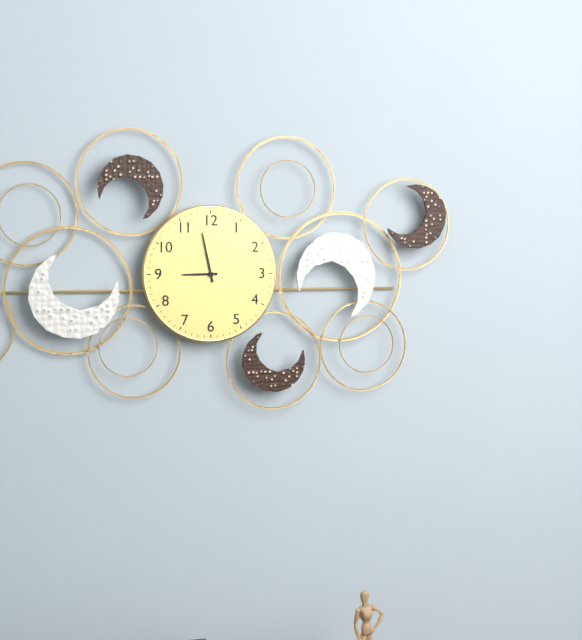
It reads 8,58
